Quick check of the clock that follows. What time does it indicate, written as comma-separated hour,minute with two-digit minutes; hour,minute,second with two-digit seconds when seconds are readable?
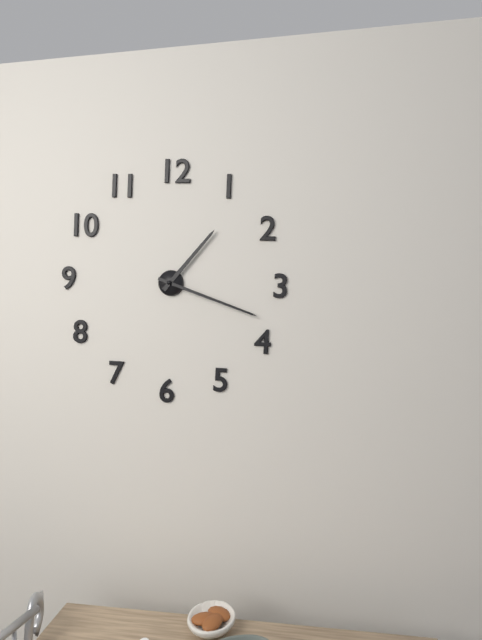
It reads 1,18
